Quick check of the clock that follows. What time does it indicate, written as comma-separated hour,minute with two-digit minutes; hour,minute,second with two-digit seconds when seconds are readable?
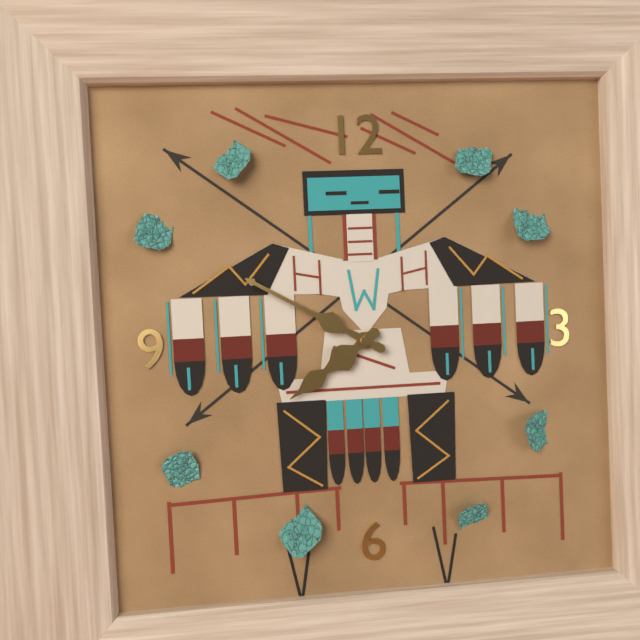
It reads 7,50
